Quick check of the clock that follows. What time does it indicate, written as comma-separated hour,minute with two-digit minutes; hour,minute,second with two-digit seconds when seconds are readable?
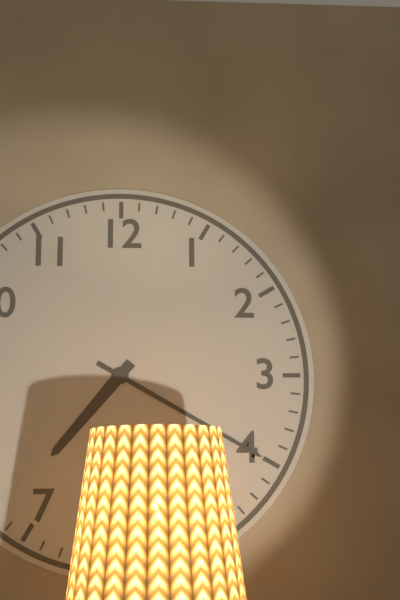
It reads 7,20
